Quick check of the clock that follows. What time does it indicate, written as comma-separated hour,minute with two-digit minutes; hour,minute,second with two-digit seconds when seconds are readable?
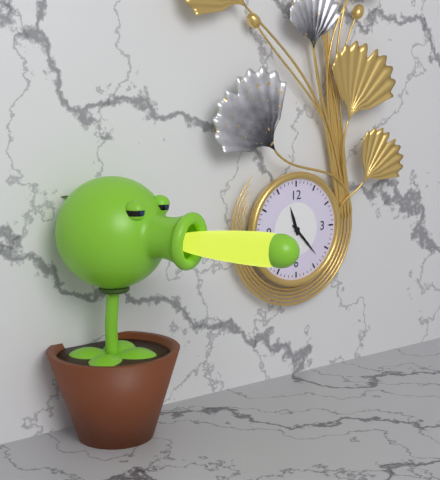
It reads 11,23
